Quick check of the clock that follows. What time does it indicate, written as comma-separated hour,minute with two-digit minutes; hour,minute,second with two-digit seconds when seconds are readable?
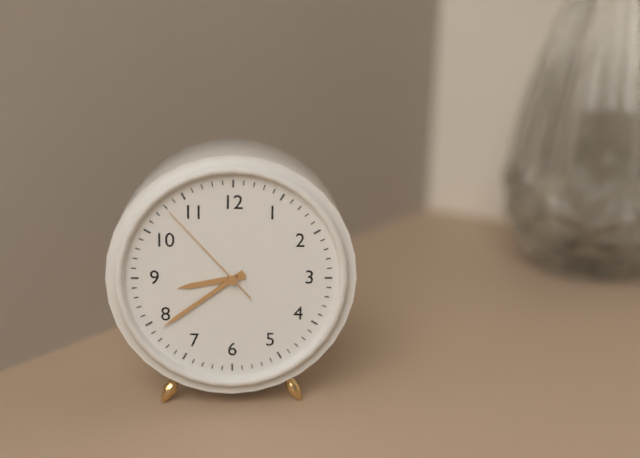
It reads 8,39,53
